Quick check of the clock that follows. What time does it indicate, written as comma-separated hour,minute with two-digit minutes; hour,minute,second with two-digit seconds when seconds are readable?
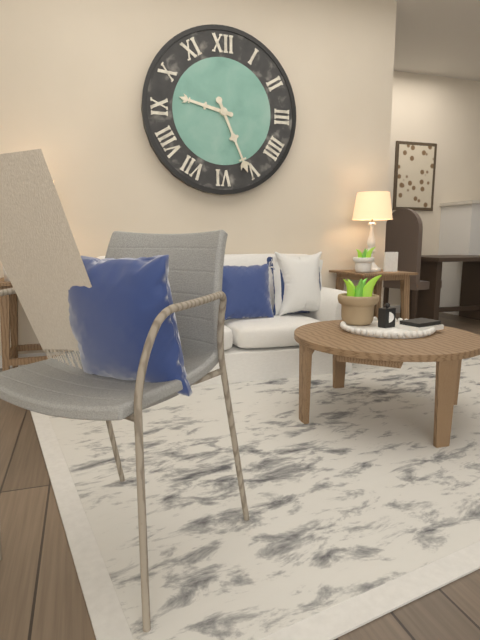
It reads 9,26
